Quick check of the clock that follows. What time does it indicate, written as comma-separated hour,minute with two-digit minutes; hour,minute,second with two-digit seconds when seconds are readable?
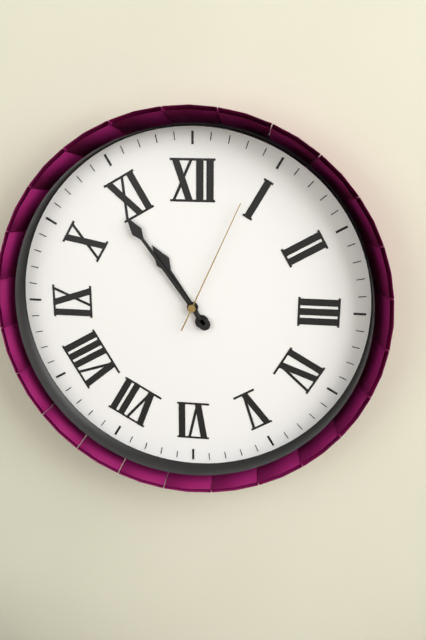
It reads 10,54,04
